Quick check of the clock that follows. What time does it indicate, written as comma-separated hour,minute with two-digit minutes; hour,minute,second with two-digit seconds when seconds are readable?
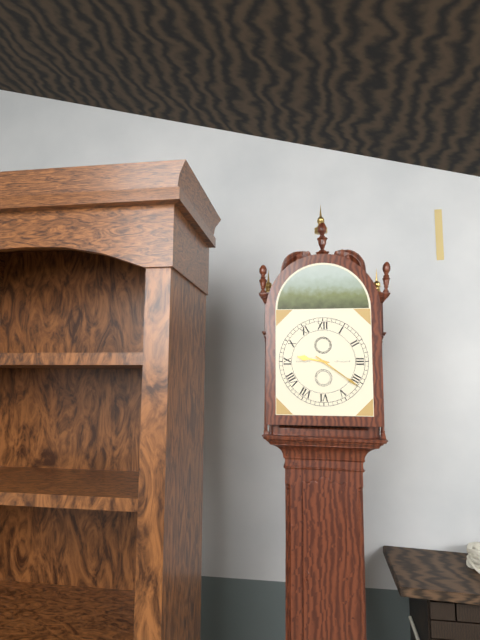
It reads 9,21
